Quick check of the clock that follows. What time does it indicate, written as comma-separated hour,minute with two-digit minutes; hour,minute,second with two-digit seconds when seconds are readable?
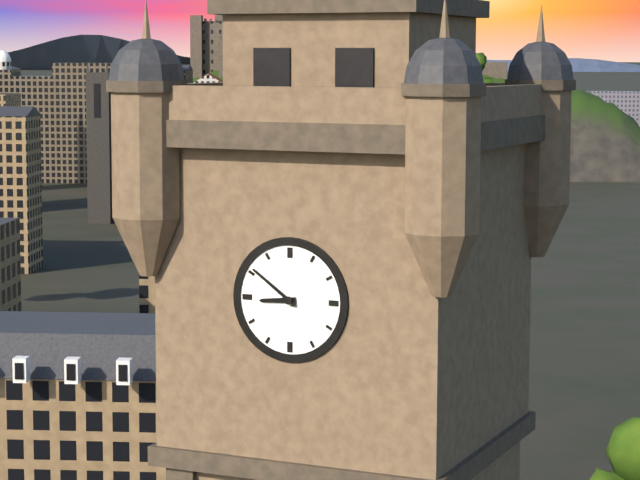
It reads 8,51
